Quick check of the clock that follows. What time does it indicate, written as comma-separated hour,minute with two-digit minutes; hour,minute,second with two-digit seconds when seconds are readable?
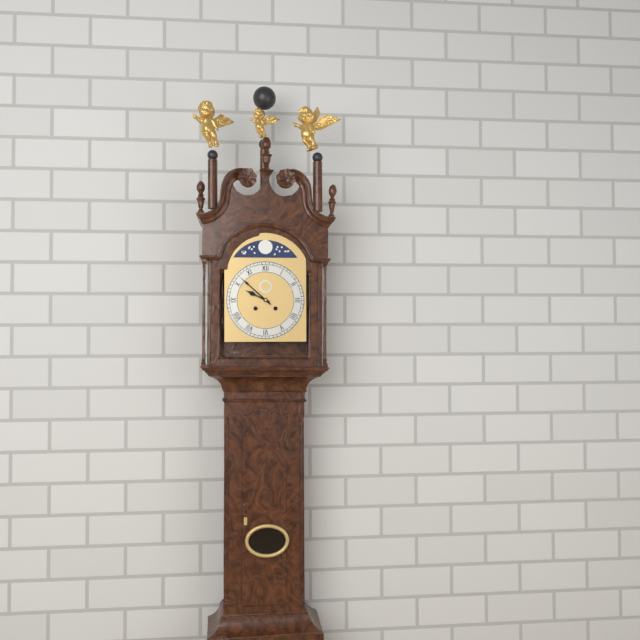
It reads 9,52
